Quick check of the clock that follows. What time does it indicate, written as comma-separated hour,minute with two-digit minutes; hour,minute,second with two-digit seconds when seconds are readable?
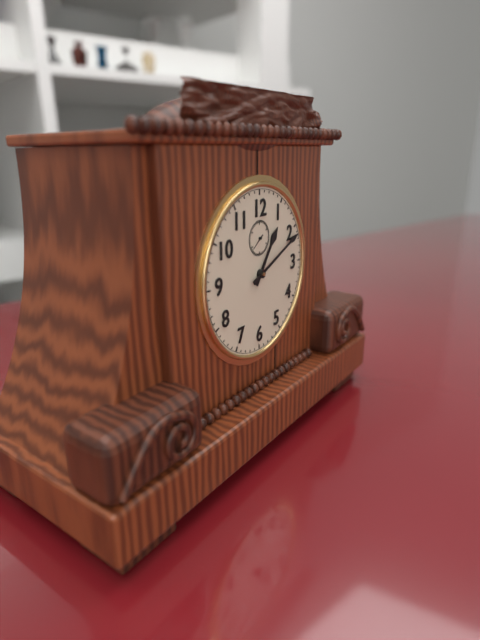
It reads 1,11
